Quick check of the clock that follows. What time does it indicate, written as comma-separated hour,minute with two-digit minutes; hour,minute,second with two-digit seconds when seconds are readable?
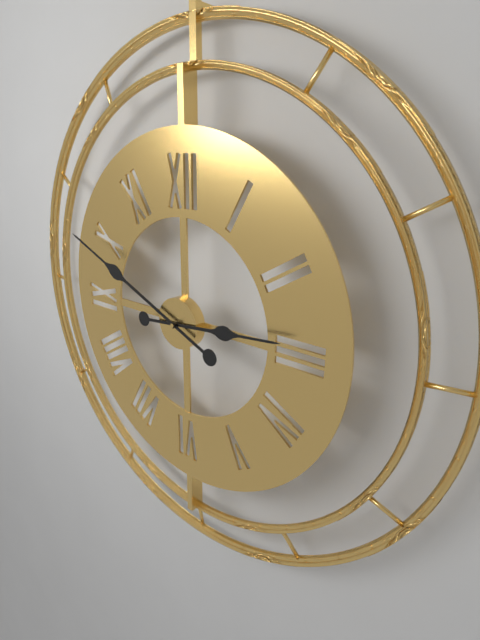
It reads 2,49
